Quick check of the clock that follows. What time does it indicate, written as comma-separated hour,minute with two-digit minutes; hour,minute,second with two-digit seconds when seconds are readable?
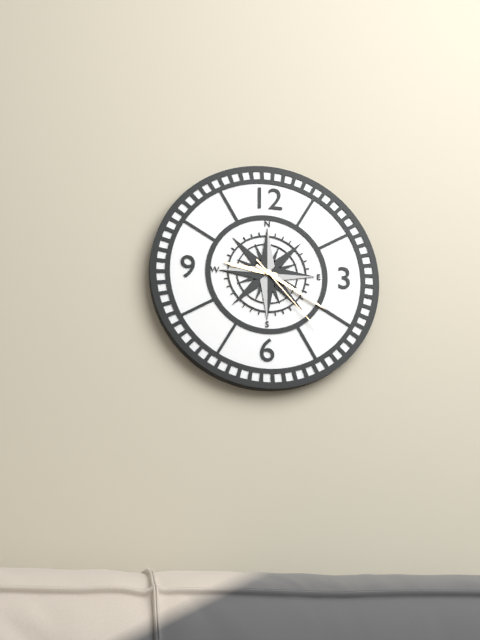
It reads 9,20,23
